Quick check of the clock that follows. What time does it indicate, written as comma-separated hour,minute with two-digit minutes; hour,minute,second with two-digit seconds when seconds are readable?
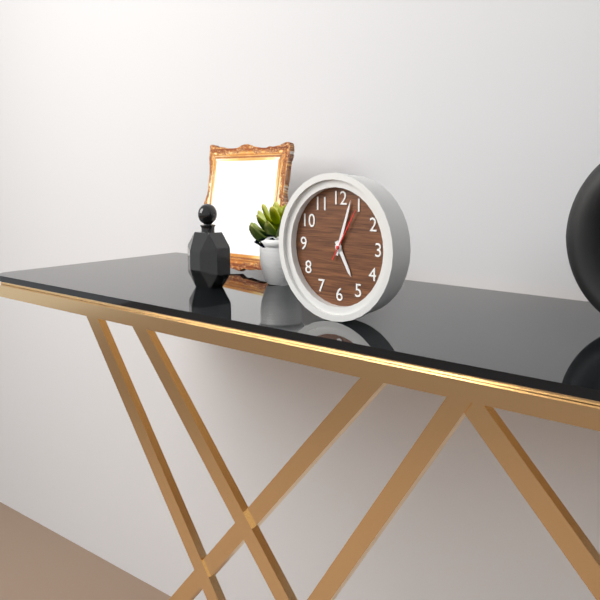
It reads 5,03,05
